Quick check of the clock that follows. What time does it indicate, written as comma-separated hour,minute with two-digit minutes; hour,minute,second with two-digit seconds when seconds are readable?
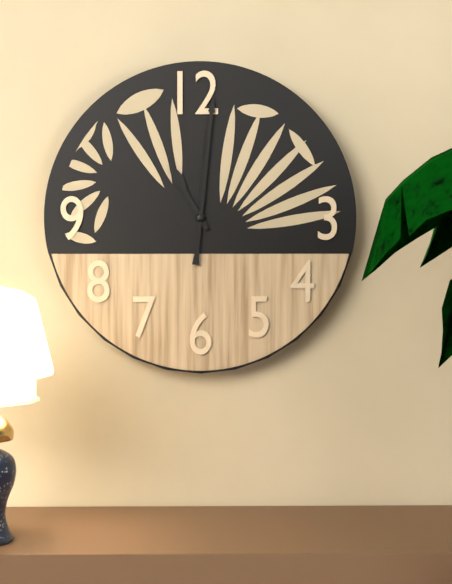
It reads 11,01
